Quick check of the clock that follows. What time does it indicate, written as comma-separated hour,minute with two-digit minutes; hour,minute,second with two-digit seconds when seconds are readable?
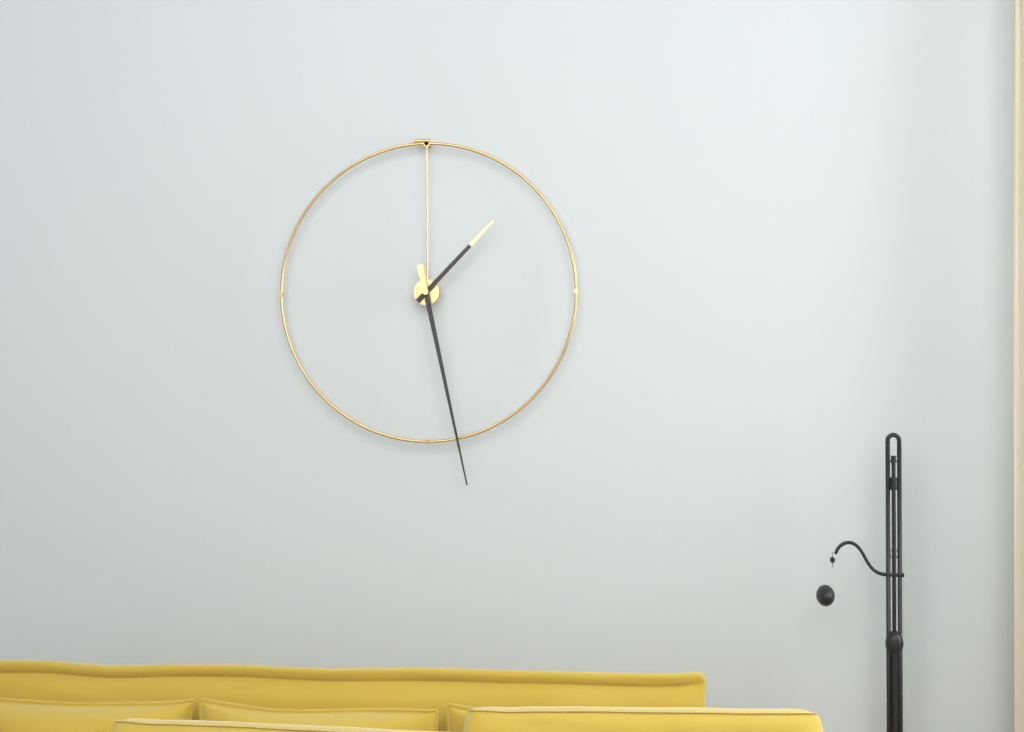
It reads 1,28
